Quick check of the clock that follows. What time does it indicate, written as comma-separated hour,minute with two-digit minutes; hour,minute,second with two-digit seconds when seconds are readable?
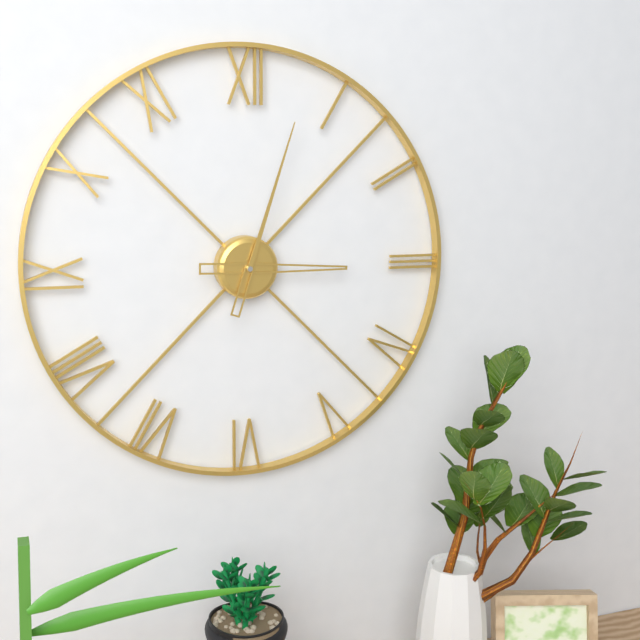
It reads 3,03
